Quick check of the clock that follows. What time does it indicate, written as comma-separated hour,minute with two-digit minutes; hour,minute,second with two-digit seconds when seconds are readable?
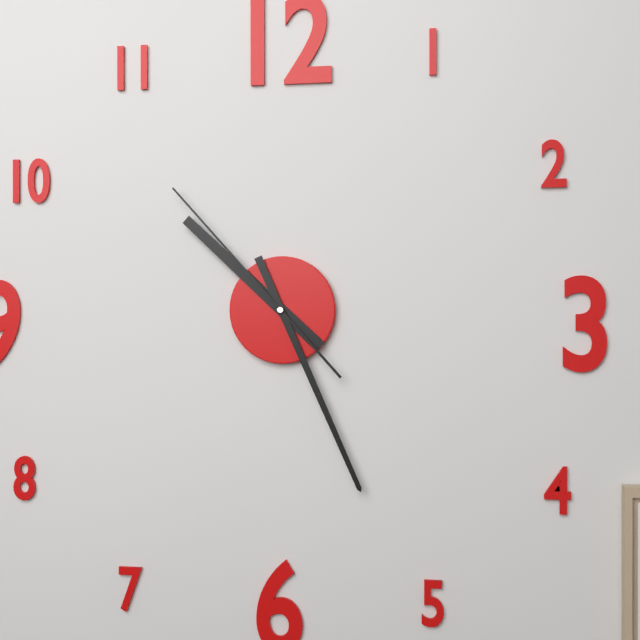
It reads 10,26,53
